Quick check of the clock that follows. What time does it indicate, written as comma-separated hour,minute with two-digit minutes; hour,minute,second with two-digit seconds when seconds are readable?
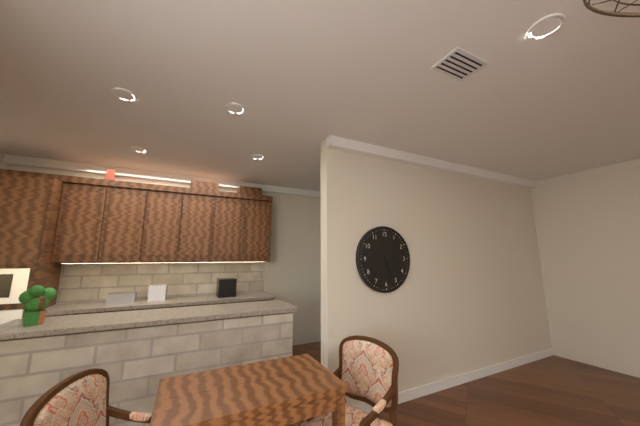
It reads 5,14
